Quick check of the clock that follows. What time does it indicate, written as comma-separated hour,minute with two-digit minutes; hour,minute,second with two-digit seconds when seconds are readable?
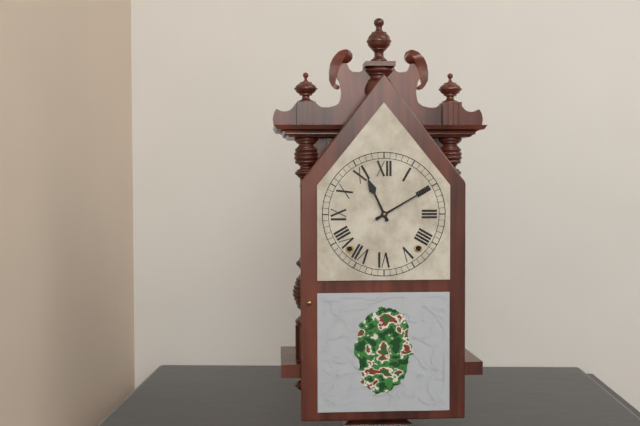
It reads 11,10
